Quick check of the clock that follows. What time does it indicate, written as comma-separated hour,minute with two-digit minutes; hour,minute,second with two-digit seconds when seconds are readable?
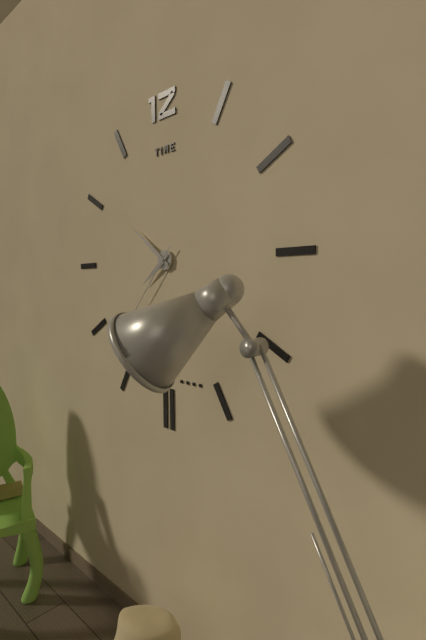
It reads 7,51,37
